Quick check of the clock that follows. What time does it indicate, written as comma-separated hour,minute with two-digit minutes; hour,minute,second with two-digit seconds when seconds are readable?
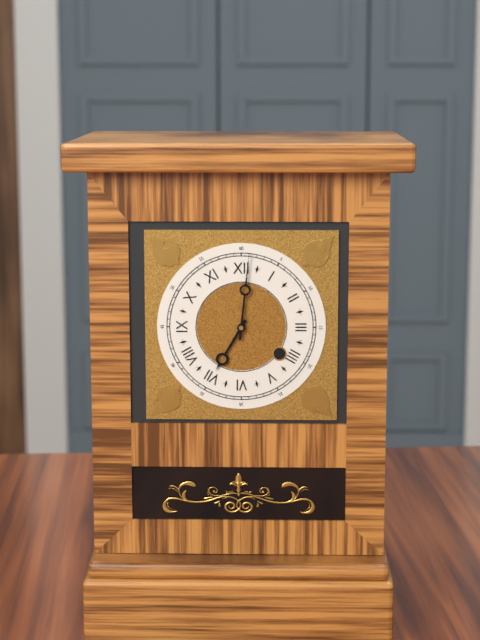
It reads 7,01
